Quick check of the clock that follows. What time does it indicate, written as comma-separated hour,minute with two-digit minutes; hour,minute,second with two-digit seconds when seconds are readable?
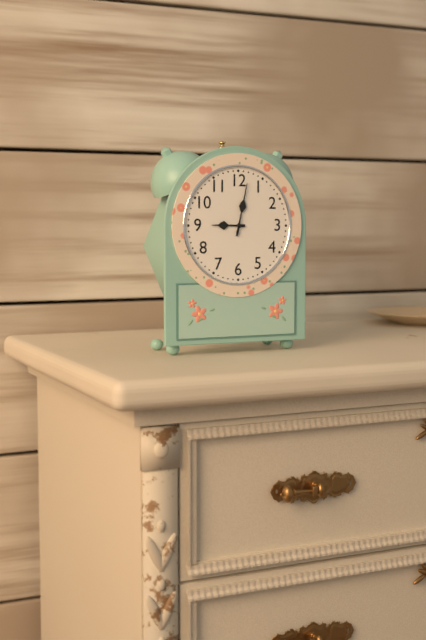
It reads 9,02
